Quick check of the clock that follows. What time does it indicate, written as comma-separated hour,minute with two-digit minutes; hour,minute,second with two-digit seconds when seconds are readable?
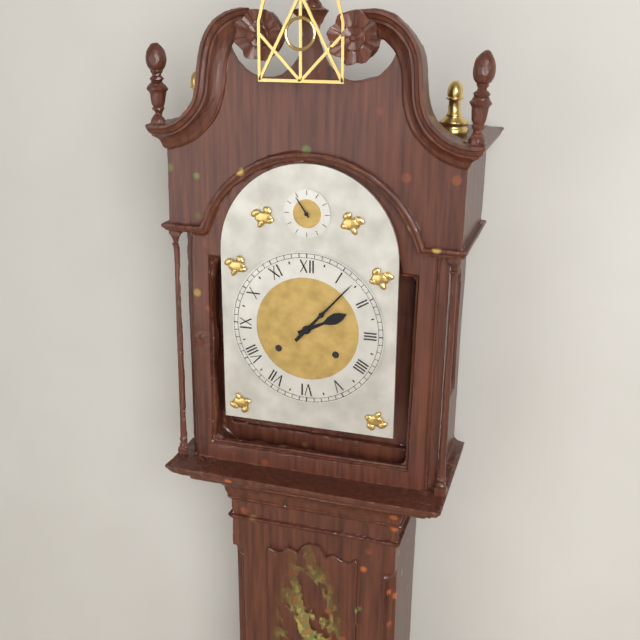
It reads 2,07
